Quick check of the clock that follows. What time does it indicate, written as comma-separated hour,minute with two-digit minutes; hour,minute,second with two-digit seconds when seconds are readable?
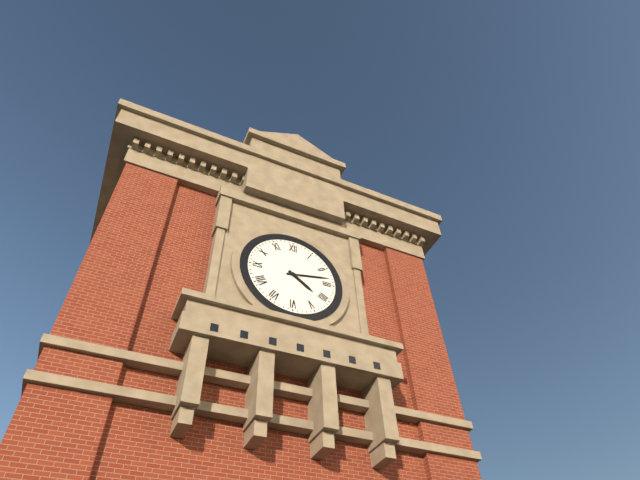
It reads 4,13
